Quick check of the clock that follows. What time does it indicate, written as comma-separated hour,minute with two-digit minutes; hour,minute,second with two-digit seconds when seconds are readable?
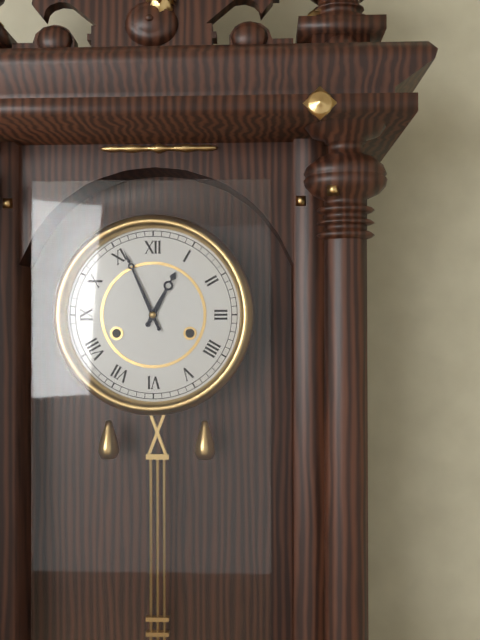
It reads 12,56
